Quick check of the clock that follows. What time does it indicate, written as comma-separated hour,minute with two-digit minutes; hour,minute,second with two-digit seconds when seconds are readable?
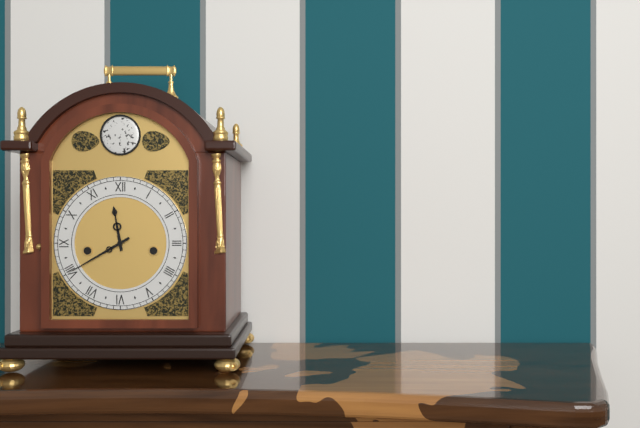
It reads 11,40
